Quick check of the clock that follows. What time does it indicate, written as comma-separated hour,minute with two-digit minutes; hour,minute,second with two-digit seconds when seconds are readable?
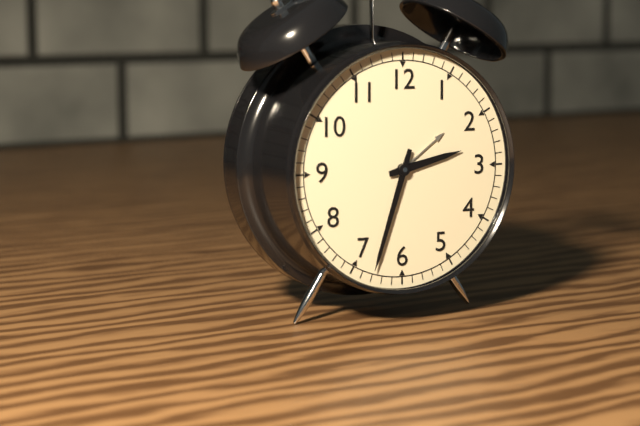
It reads 2,33
